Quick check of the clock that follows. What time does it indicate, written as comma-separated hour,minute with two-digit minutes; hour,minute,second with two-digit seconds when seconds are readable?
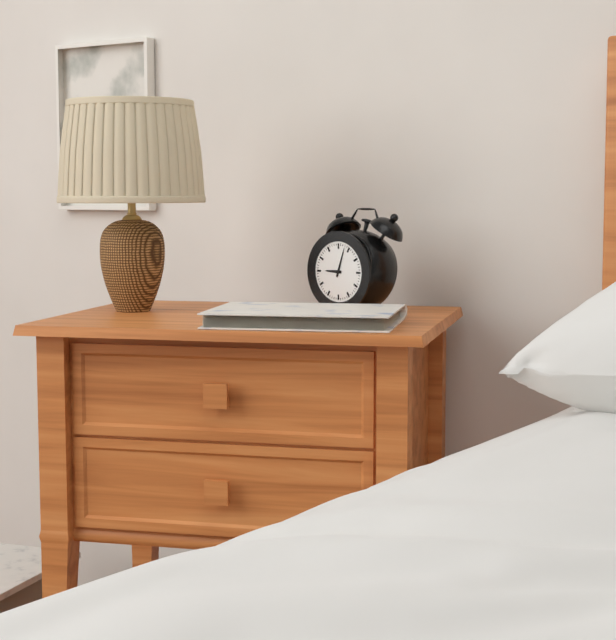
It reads 9,03
